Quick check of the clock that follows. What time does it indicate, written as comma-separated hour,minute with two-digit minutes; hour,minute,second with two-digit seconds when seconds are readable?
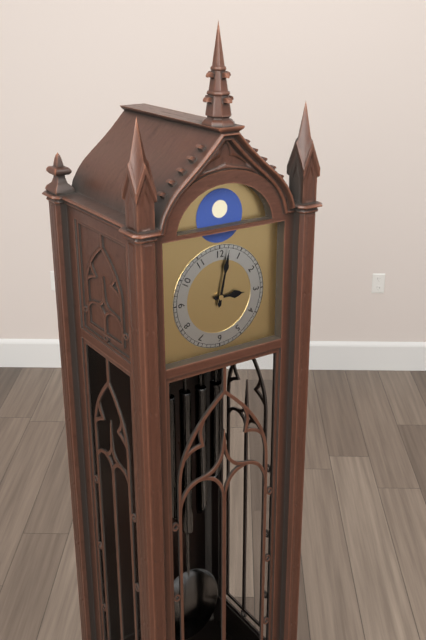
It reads 3,02
